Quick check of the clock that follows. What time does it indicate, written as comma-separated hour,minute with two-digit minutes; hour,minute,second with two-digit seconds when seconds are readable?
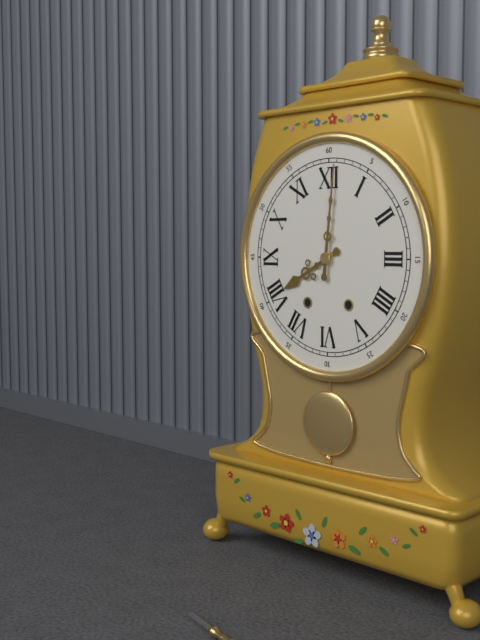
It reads 8,01
